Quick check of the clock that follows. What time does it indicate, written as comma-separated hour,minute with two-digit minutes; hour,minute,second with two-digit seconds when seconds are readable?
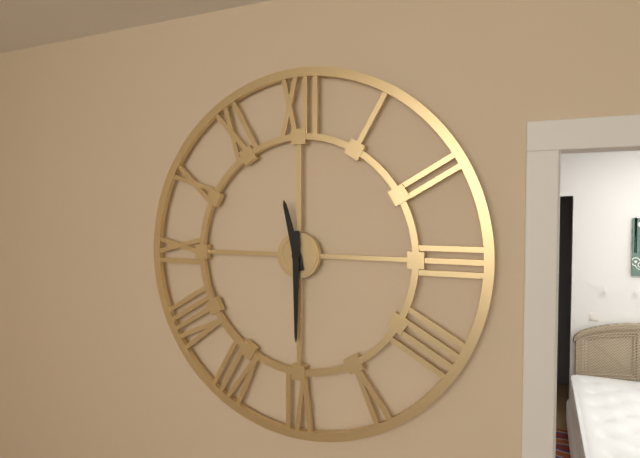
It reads 11,30
